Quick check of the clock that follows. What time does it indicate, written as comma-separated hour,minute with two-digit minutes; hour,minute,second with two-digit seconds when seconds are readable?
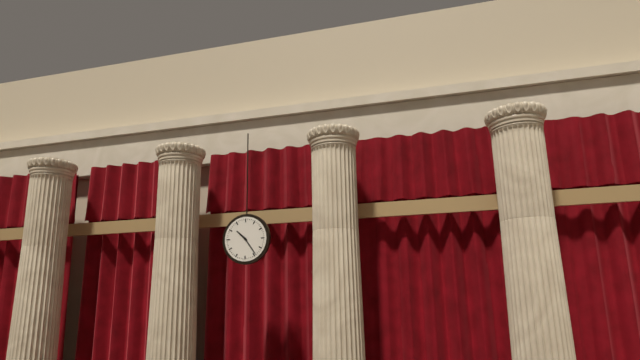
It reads 10,24
